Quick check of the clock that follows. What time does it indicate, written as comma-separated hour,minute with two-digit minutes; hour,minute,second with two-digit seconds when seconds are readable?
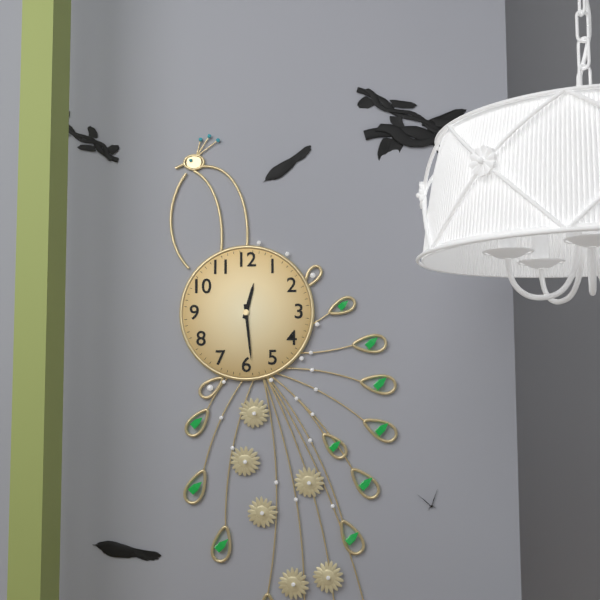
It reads 12,29
